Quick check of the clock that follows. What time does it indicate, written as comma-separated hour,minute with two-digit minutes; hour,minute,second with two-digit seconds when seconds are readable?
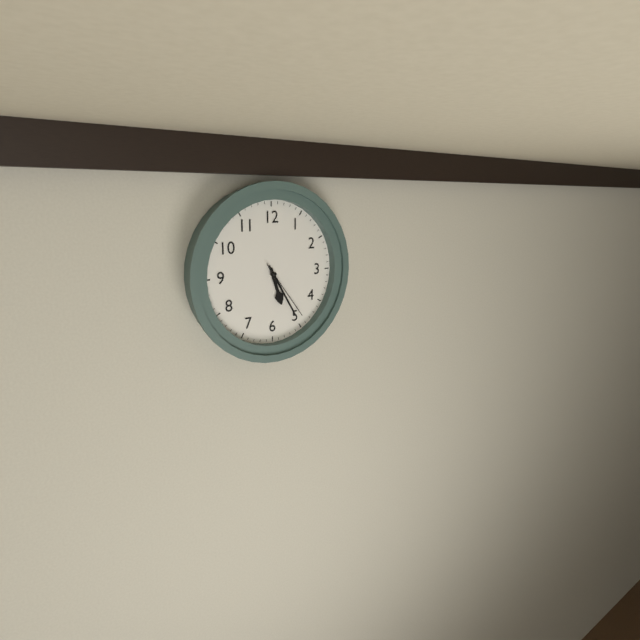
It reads 5,25,24
